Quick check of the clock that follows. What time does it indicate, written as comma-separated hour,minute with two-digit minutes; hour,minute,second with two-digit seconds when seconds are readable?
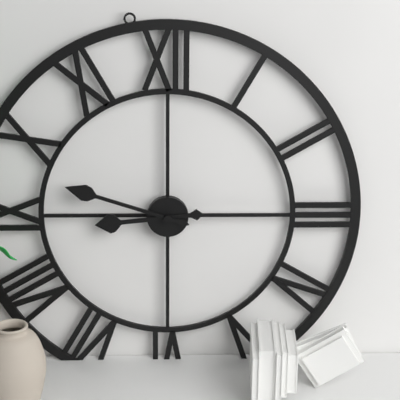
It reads 8,48
